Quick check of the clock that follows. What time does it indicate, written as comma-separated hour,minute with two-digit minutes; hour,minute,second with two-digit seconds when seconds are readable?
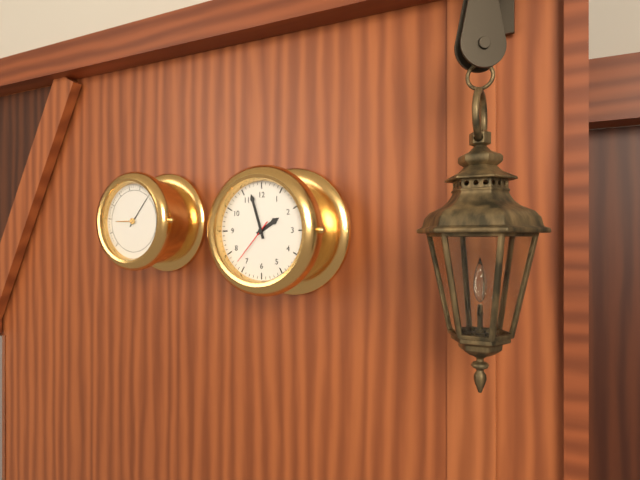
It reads 1,57
